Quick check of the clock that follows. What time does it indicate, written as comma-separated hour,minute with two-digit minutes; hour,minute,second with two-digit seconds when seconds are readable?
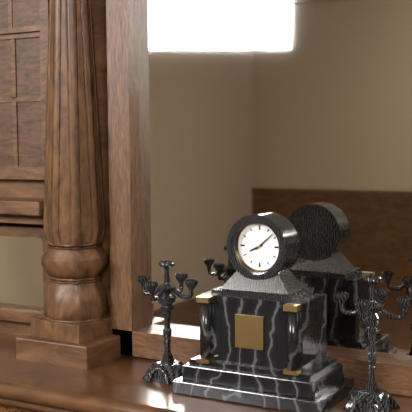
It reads 8,08
